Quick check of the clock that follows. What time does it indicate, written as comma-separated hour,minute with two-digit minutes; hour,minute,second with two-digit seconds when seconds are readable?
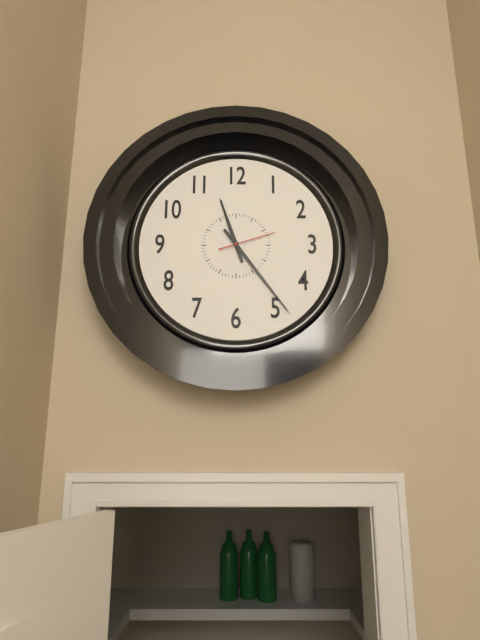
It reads 11,24,12
